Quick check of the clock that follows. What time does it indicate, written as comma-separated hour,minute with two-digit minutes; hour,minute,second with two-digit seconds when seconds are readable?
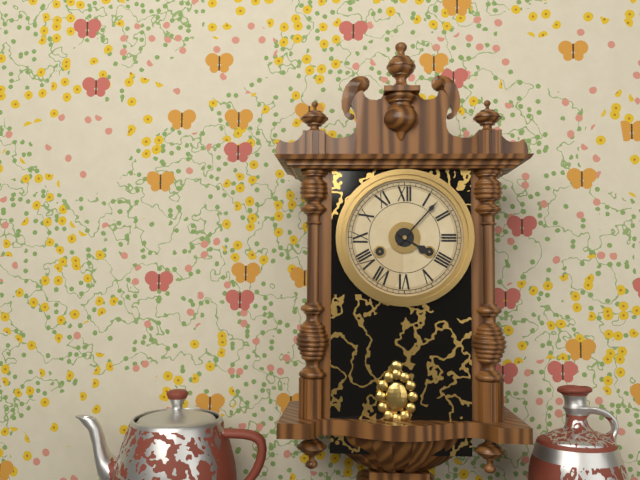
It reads 4,07
